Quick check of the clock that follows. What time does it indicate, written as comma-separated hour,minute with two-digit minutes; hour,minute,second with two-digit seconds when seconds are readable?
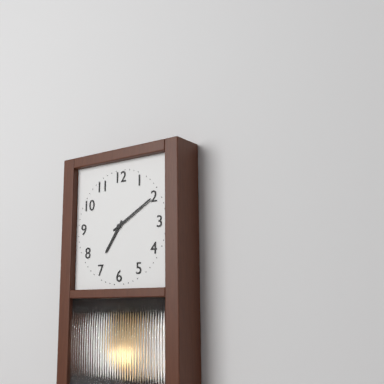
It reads 7,10
